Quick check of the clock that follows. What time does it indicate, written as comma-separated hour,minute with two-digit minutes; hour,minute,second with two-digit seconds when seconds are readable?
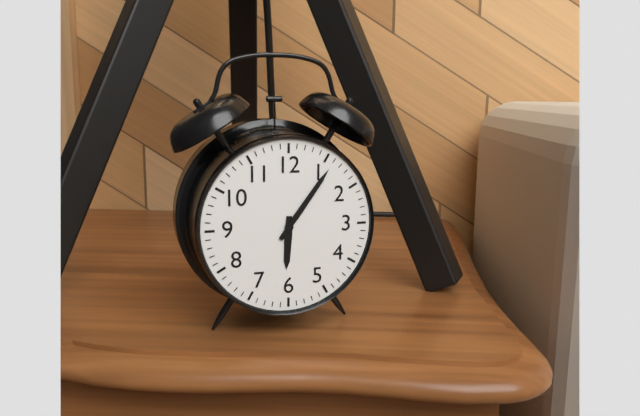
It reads 6,06
